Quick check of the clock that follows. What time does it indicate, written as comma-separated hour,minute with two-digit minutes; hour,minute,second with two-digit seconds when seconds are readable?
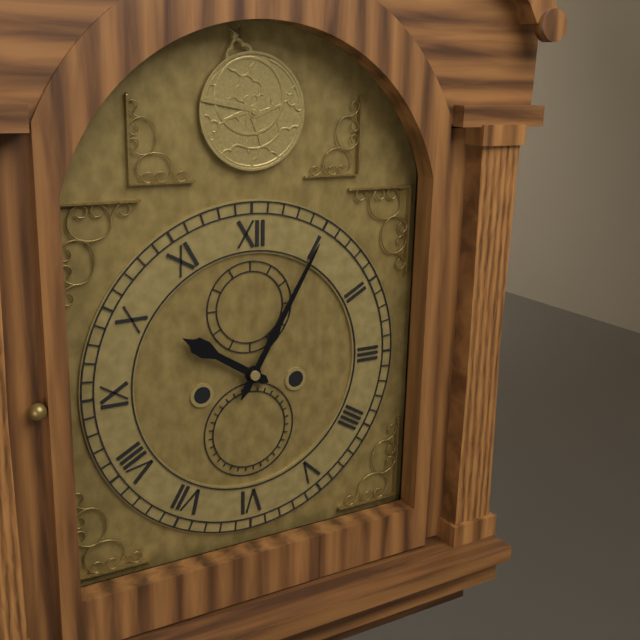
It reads 10,05
